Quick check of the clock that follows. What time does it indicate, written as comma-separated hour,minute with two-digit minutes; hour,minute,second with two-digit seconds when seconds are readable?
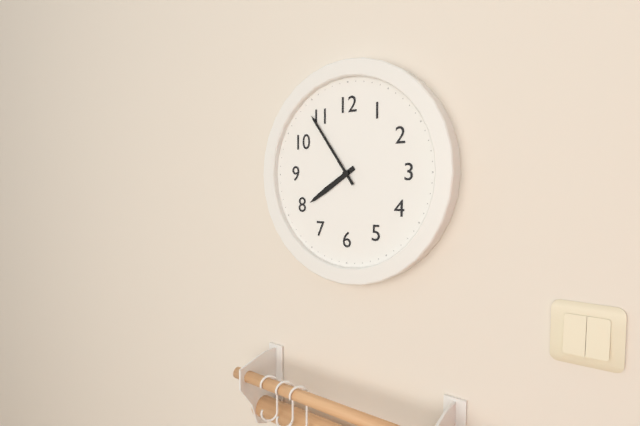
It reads 7,54
